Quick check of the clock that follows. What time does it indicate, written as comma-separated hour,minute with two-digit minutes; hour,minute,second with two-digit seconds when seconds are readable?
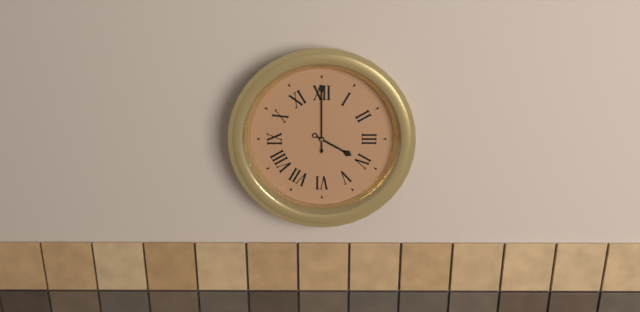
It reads 4,00
